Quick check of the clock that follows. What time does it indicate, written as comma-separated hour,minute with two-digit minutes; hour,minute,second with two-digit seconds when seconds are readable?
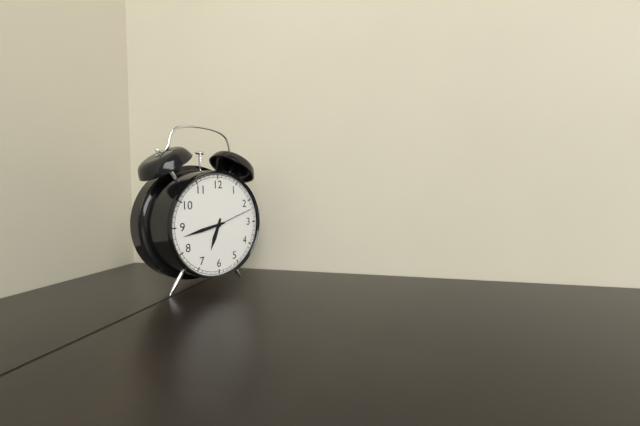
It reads 6,43
